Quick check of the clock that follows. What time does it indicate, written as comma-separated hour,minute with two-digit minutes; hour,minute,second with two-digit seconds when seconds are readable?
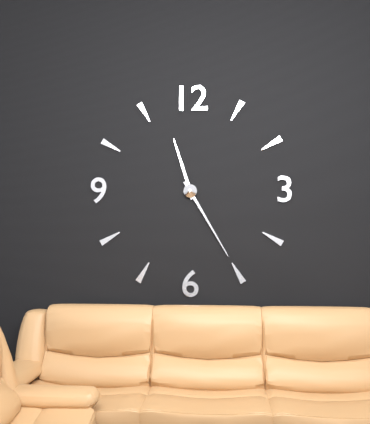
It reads 11,25
